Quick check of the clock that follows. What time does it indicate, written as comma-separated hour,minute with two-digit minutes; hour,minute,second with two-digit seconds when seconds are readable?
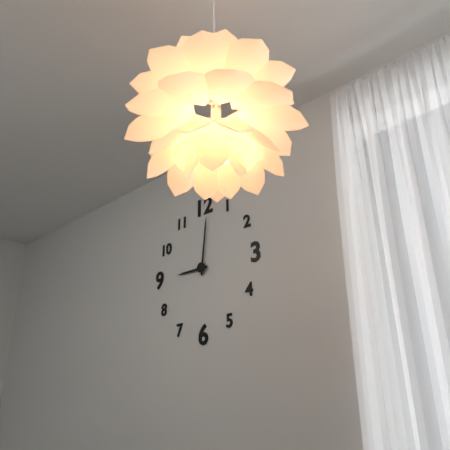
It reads 9,01
